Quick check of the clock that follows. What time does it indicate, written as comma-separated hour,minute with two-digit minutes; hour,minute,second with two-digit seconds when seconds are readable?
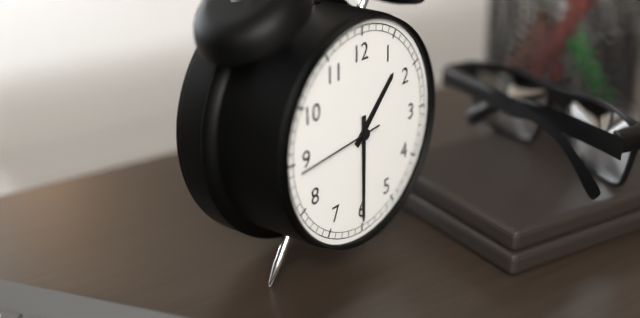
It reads 1,30,44
